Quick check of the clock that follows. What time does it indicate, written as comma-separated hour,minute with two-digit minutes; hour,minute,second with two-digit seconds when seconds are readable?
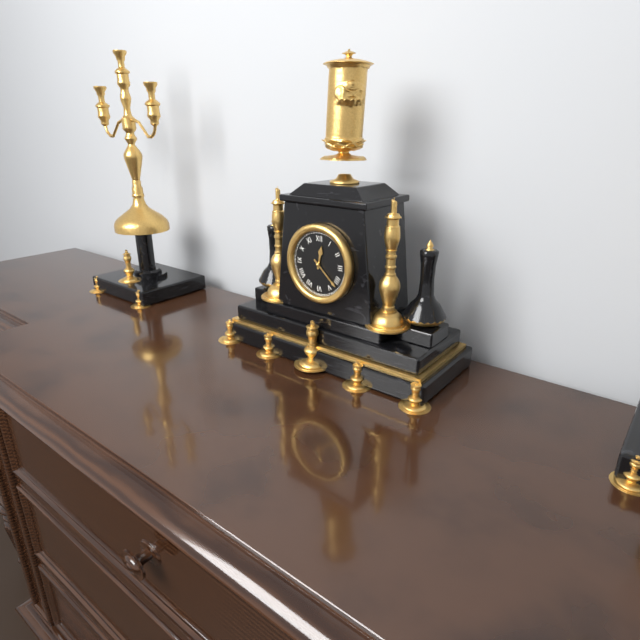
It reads 12,22
